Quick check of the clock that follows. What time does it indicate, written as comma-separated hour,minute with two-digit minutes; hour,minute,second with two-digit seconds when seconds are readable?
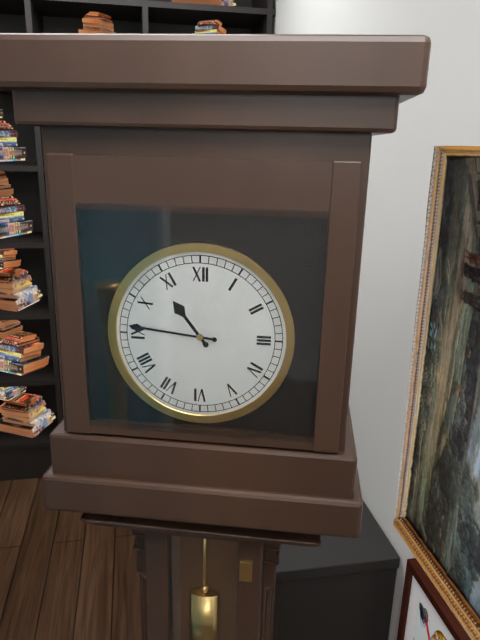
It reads 10,46
